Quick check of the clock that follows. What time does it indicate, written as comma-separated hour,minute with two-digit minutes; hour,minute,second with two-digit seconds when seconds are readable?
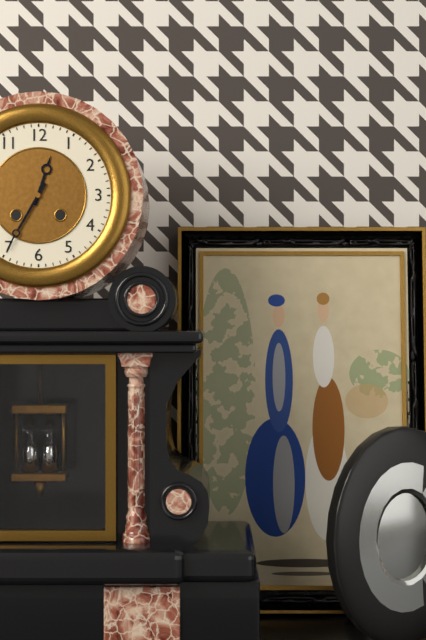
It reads 12,35
